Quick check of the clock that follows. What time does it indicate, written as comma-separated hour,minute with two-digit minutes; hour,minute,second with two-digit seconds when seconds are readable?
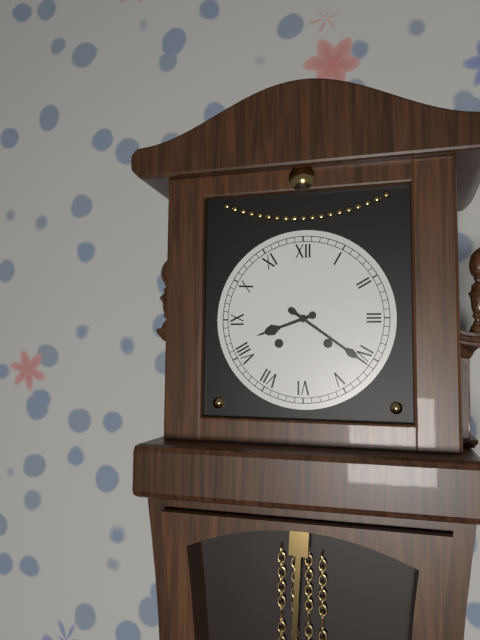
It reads 8,21
